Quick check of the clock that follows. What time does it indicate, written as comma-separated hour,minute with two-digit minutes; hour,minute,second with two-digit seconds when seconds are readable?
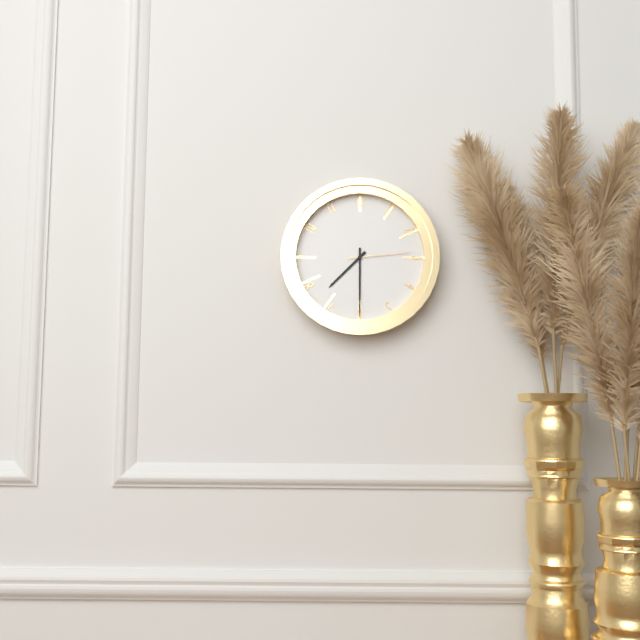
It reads 7,30,14
